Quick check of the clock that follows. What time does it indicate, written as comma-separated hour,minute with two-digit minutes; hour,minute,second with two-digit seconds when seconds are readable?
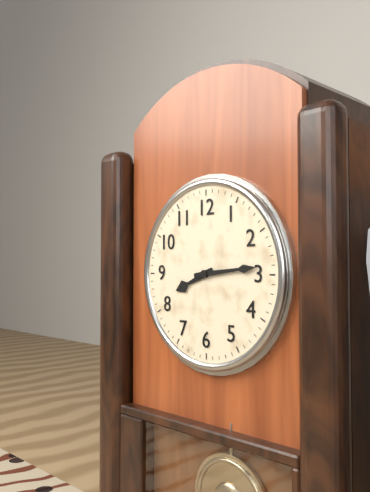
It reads 8,14
